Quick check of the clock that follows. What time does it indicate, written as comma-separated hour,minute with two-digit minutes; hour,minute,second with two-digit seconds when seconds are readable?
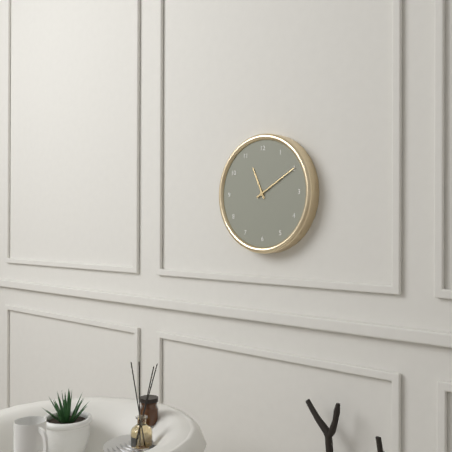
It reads 11,10
